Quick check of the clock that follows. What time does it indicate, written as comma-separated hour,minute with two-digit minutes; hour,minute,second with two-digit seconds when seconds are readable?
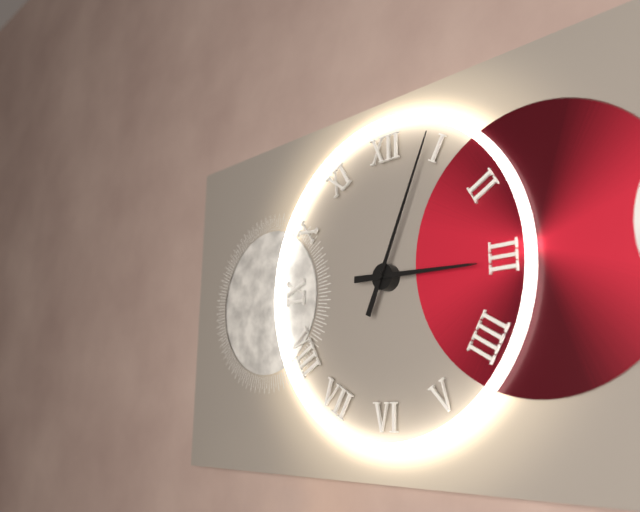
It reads 3,04
